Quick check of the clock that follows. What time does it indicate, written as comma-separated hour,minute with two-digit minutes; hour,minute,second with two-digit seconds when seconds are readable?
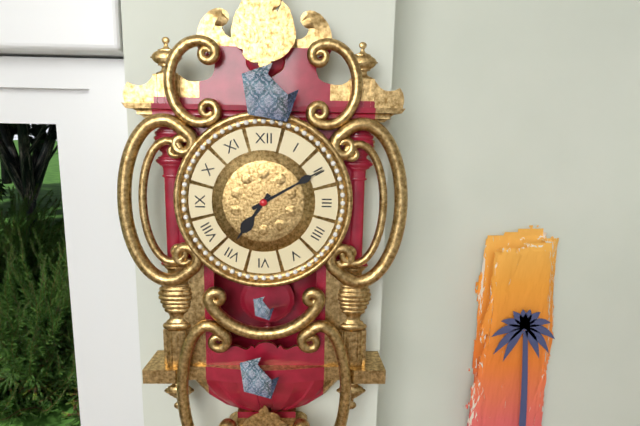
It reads 7,10
